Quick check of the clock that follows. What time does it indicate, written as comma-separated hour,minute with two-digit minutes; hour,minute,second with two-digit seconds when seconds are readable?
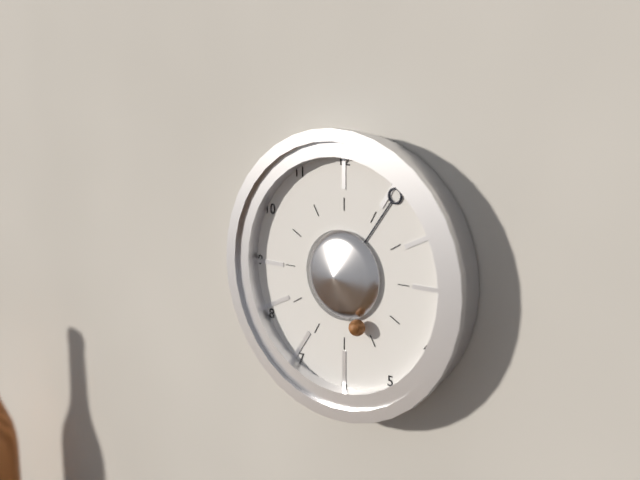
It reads 5,06
